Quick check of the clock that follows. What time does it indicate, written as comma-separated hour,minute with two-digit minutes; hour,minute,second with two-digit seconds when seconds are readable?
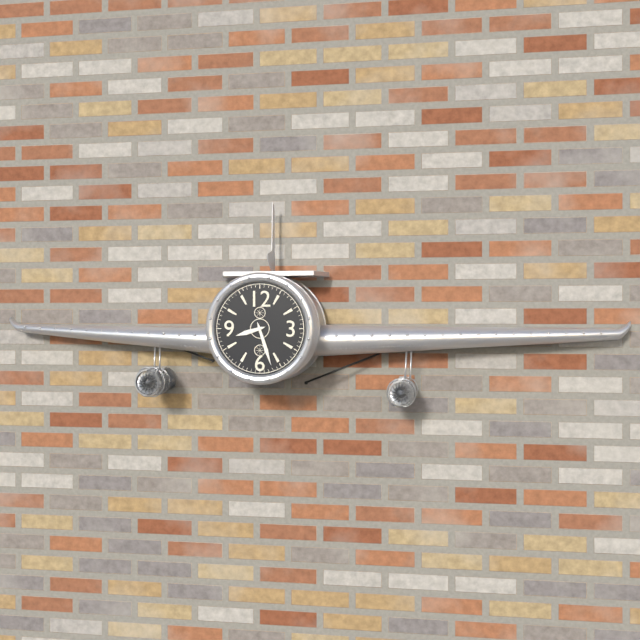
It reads 8,27
